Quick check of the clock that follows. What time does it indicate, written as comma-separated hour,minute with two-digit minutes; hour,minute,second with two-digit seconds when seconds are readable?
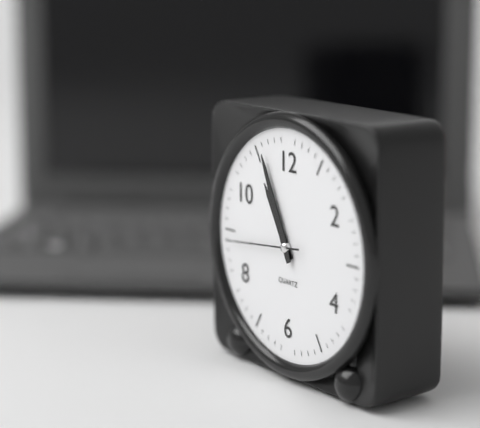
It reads 10,56,44
